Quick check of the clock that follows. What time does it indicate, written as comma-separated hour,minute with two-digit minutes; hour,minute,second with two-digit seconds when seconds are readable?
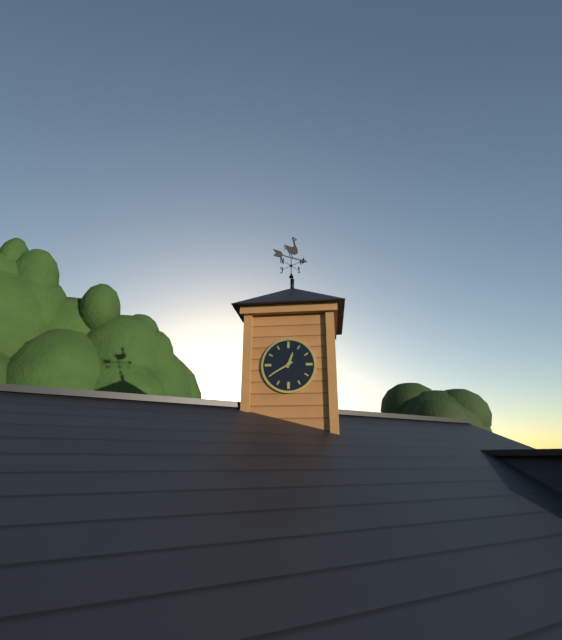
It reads 12,40
